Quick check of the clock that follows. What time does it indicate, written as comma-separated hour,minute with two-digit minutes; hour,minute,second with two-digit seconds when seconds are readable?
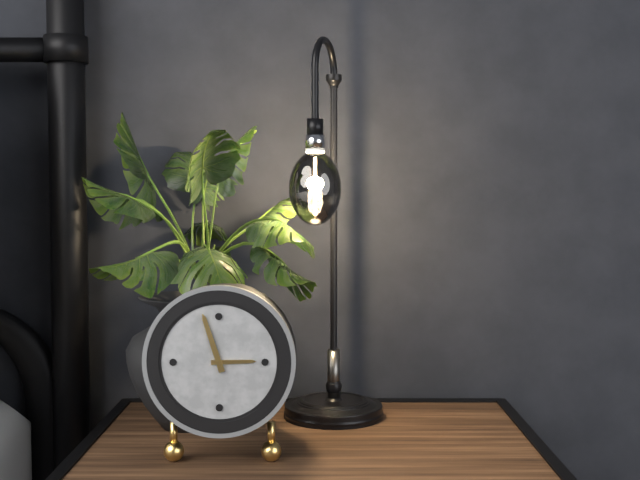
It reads 2,57
